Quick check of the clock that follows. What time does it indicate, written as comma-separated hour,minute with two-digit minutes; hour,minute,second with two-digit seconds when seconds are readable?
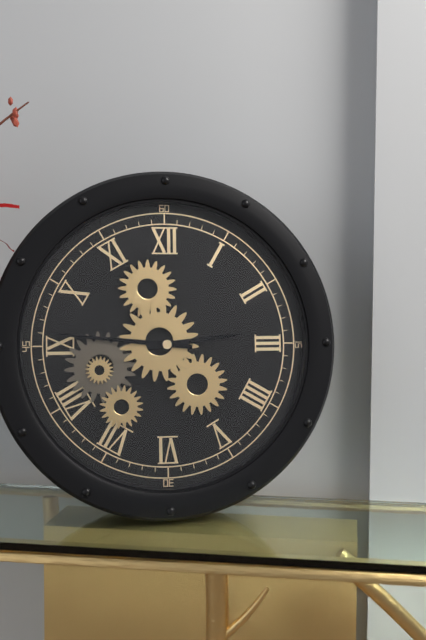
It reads 2,46
